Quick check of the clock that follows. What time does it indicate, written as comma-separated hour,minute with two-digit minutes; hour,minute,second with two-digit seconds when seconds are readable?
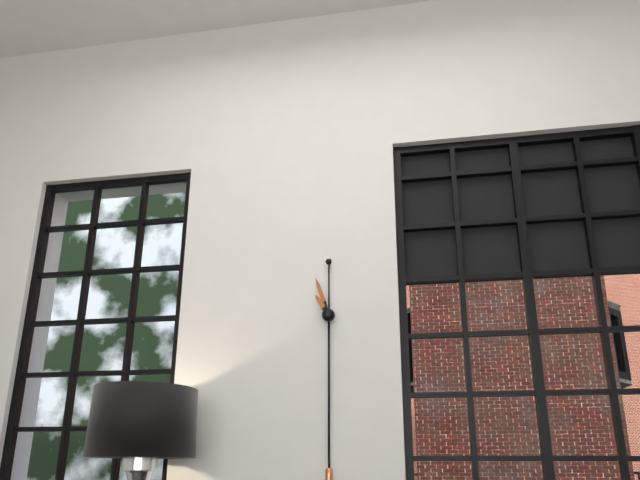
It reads 10,57
